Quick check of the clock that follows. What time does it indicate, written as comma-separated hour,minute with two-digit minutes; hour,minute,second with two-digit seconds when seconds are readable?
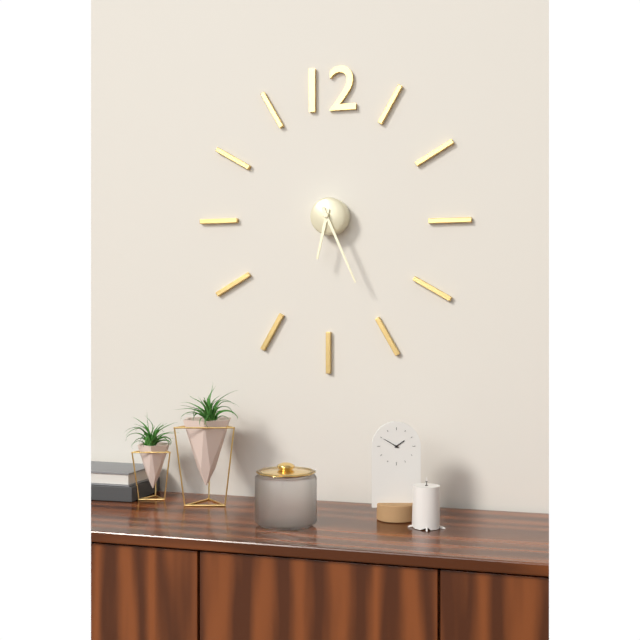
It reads 6,26
